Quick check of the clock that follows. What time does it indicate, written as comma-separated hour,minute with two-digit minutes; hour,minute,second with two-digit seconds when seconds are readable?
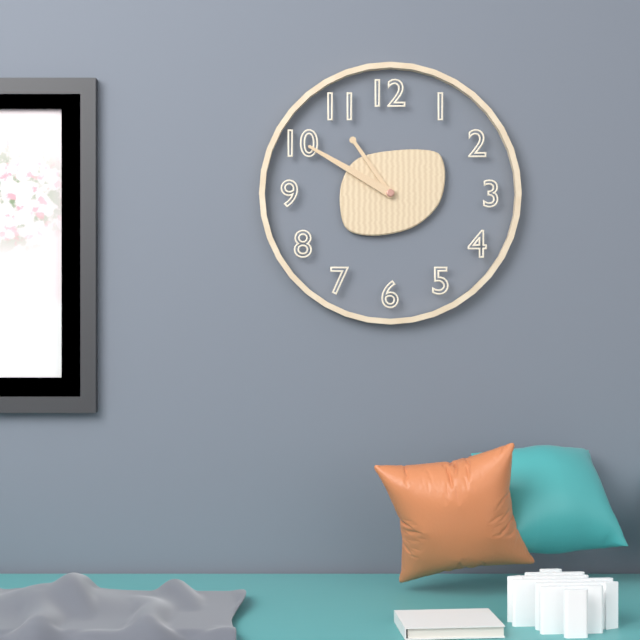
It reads 10,50
